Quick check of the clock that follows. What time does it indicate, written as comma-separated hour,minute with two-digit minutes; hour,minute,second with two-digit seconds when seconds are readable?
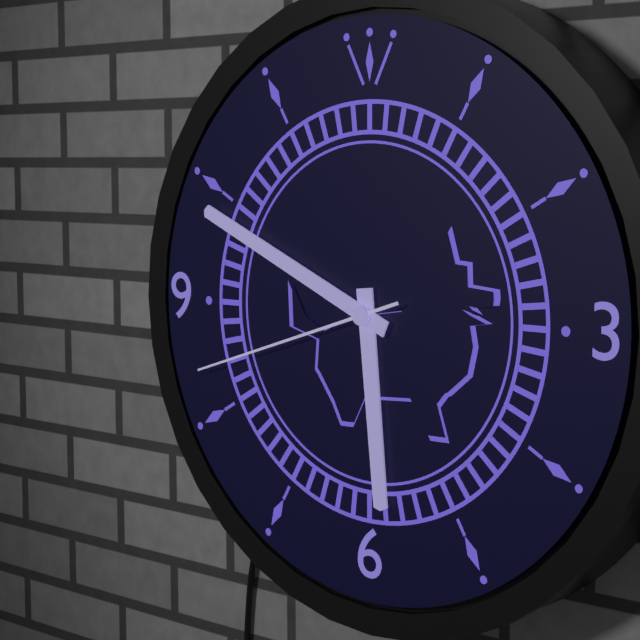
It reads 5,49,42
